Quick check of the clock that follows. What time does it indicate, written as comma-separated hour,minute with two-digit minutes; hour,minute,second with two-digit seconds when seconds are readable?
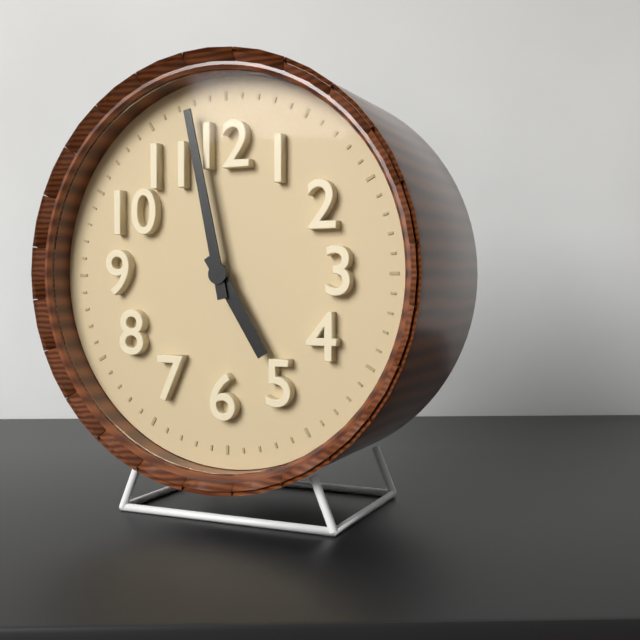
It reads 4,58
